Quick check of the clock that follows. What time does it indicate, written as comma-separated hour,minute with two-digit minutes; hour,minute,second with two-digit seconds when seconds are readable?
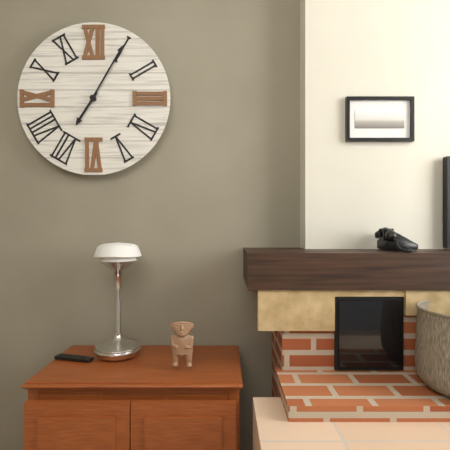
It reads 7,05
